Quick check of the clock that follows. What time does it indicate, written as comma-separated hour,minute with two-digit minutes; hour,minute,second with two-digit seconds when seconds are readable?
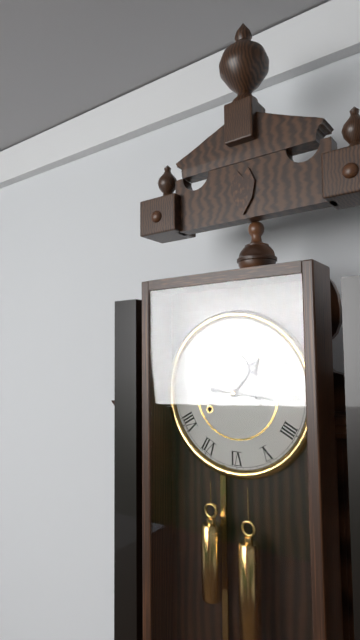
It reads 1,16
